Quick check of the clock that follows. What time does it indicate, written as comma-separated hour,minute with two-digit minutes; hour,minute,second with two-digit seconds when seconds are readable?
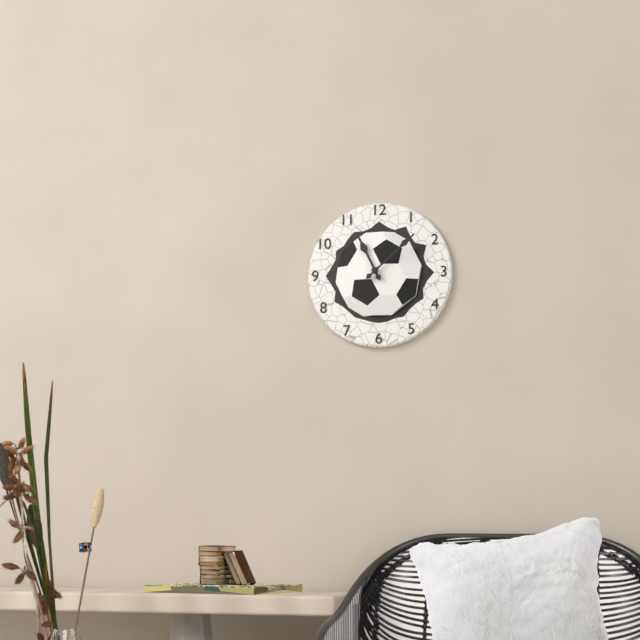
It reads 11,08
